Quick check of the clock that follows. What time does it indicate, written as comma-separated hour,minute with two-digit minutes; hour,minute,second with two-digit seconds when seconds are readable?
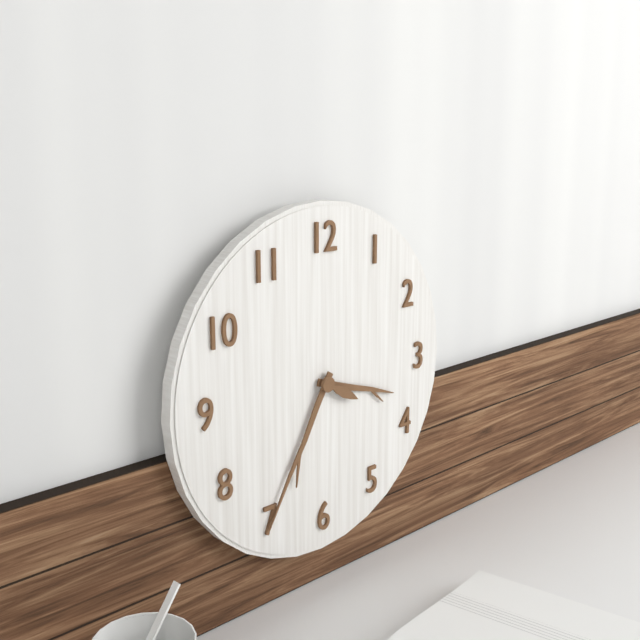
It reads 3,35
